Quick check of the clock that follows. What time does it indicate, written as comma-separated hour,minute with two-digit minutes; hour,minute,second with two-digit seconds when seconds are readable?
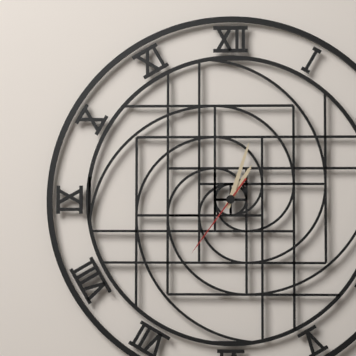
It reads 1,03,36
